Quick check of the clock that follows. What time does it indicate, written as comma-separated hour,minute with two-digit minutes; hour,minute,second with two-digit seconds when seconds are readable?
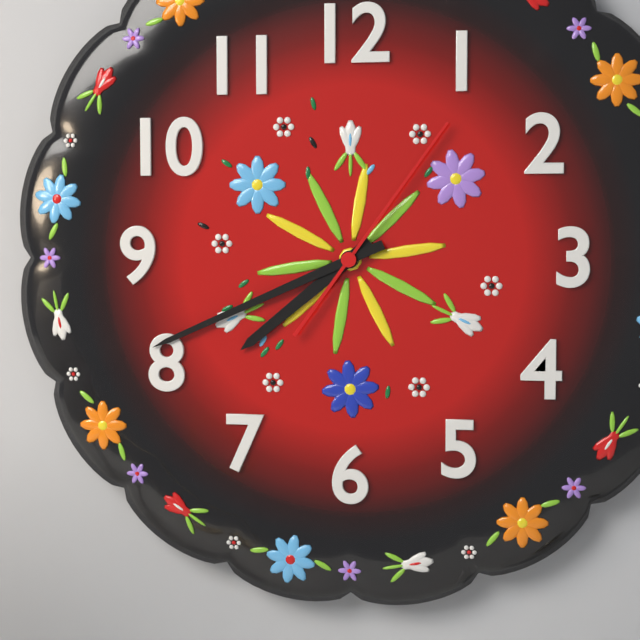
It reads 7,41,06
